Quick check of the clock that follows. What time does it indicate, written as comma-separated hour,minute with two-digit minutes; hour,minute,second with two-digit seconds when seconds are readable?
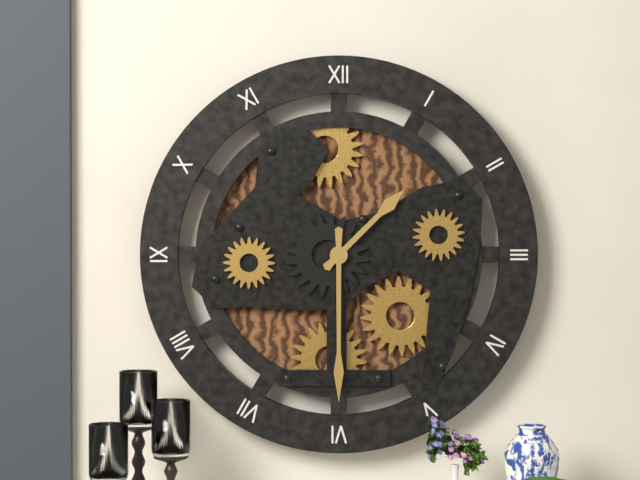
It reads 1,30
